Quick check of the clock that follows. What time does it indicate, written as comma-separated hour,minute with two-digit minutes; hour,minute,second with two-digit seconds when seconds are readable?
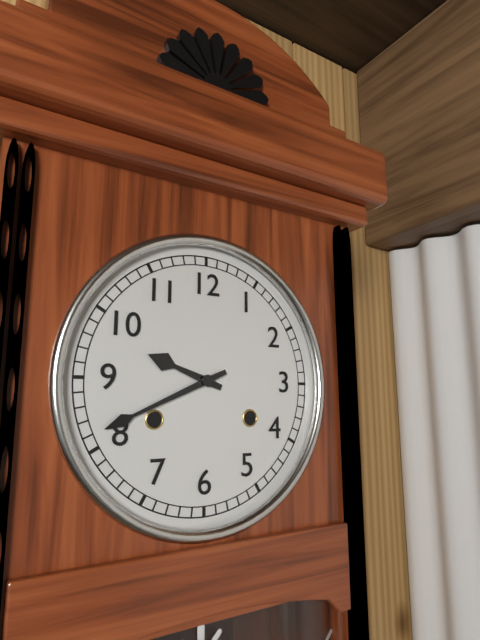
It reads 9,41
